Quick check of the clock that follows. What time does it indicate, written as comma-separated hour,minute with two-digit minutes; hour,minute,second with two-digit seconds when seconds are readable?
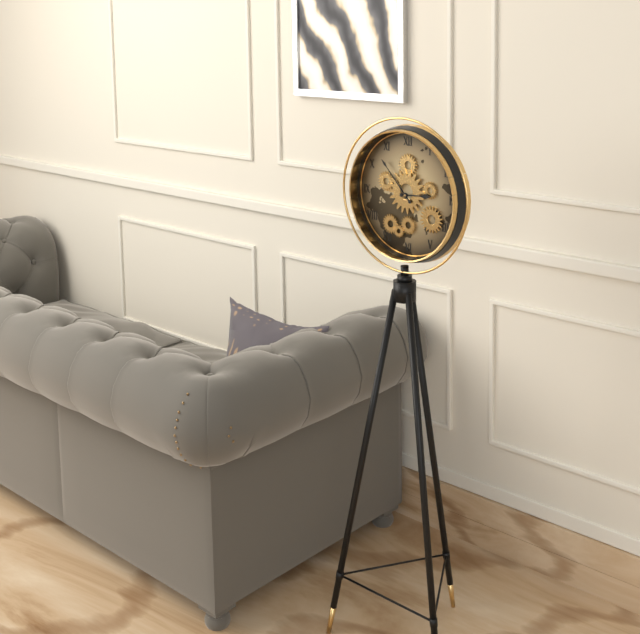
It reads 2,53
